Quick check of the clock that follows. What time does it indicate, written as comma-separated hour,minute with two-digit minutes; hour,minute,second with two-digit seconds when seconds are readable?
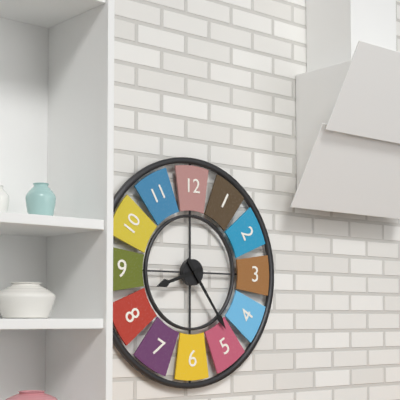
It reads 8,24
